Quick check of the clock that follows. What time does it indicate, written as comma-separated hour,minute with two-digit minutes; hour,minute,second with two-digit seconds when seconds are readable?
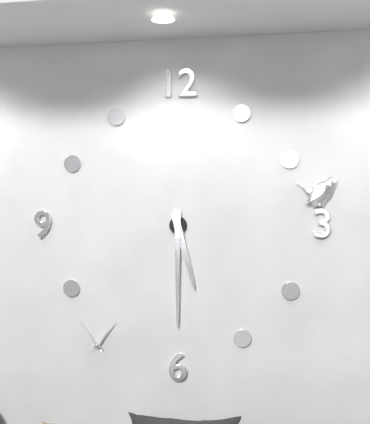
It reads 5,30
